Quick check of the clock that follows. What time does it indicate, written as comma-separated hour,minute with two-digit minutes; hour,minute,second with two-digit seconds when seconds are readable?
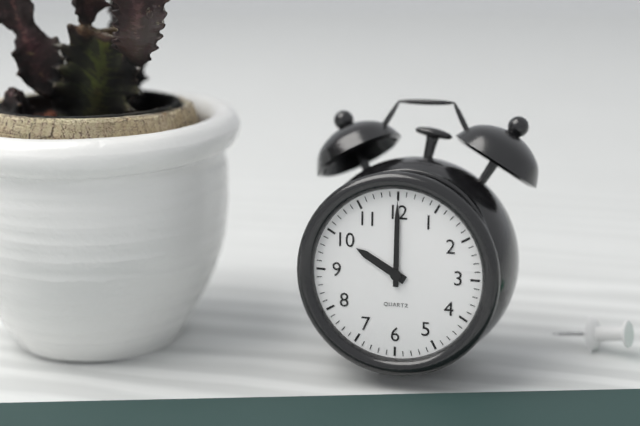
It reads 10,00
